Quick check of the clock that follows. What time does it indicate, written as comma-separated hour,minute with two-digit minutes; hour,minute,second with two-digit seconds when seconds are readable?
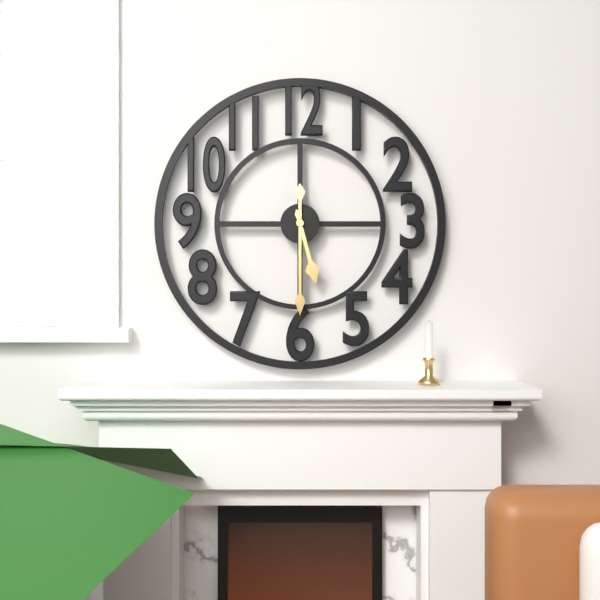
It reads 5,30
